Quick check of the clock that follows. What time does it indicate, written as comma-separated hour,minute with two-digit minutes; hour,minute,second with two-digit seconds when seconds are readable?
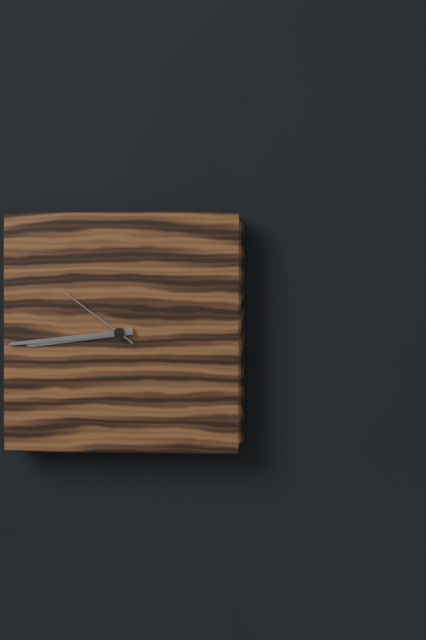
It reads 8,44,51
